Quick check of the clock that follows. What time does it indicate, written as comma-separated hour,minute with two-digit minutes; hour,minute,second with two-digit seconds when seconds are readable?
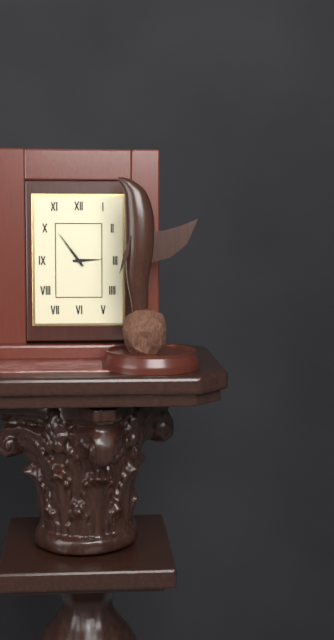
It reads 2,54
